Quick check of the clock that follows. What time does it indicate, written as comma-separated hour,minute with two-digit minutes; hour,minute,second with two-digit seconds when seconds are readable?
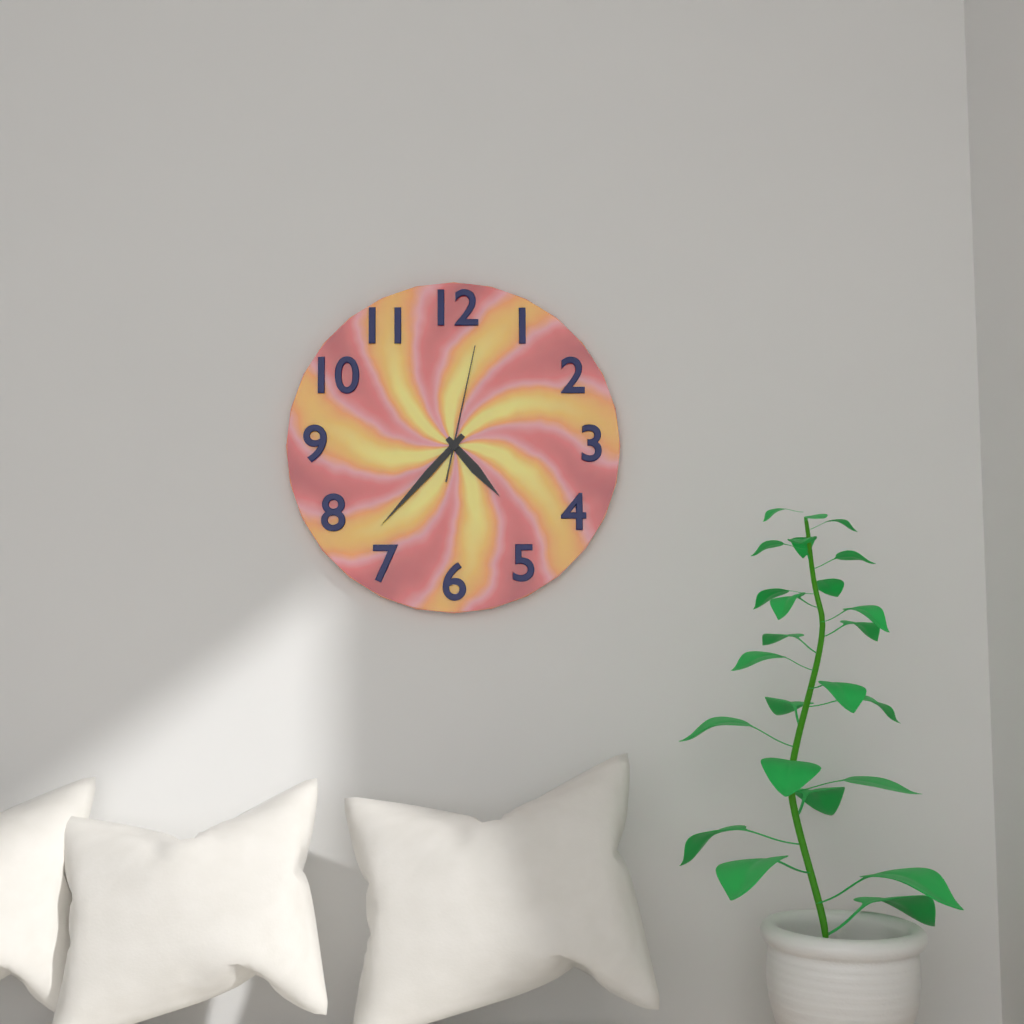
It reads 4,37,02
